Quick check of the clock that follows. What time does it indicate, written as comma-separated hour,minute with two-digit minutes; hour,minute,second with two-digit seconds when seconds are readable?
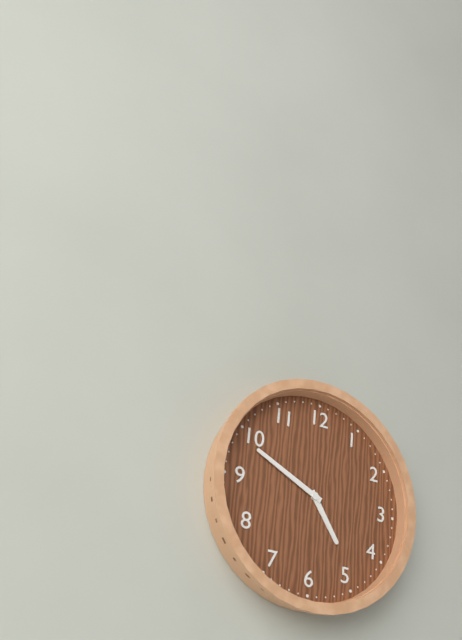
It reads 4,49
